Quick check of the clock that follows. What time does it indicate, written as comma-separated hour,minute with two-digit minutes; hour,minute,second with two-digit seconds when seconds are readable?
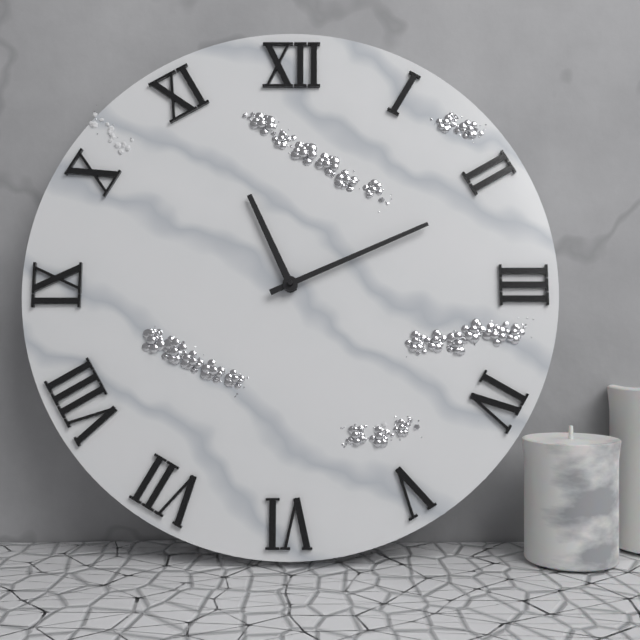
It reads 11,11
